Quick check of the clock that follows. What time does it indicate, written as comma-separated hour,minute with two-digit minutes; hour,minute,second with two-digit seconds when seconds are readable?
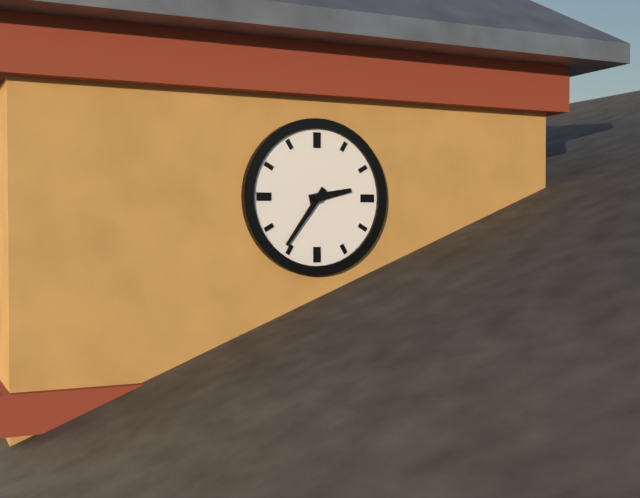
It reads 2,36
